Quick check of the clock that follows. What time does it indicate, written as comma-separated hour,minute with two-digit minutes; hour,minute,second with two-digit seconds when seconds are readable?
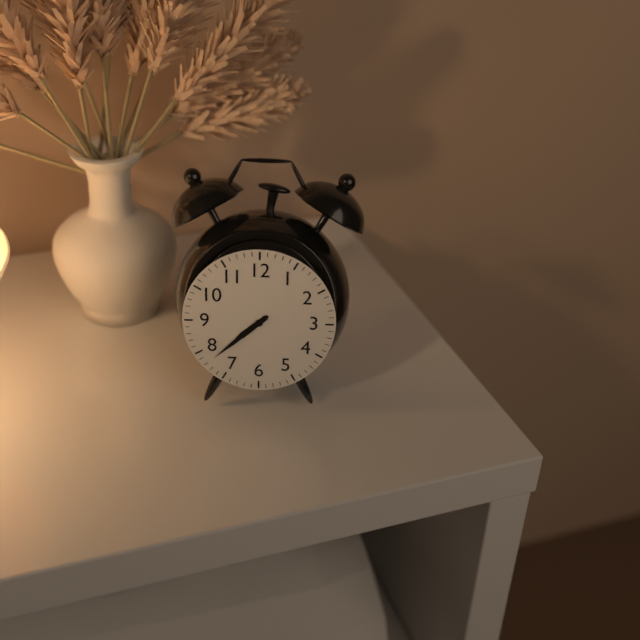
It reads 7,38
